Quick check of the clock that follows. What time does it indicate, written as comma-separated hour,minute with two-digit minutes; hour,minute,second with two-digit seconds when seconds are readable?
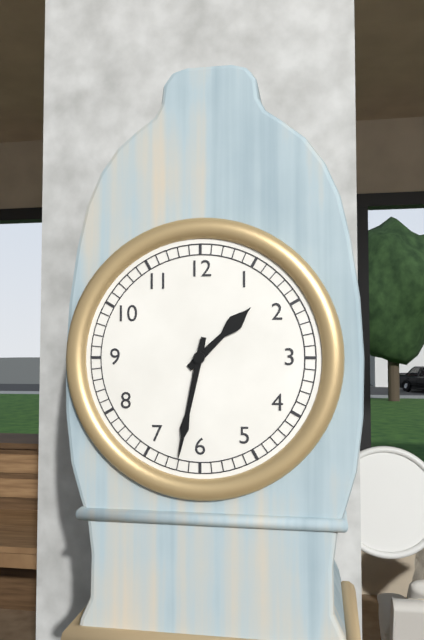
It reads 1,32
